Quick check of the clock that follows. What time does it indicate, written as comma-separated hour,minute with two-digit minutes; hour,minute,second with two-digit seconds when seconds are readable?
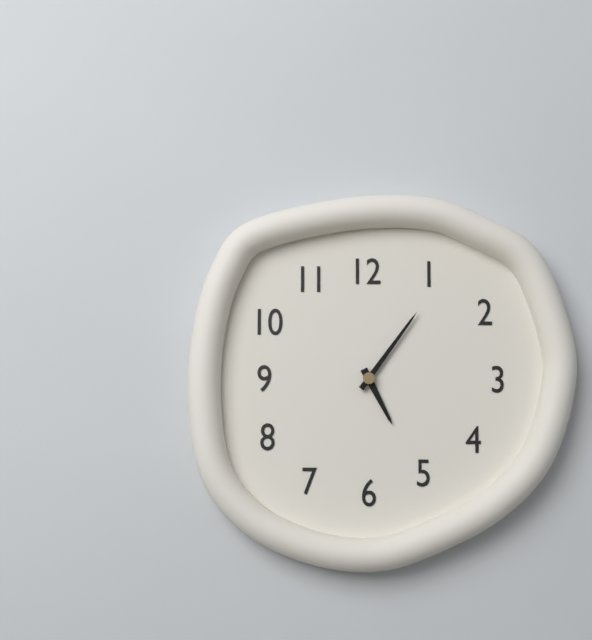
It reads 5,06
